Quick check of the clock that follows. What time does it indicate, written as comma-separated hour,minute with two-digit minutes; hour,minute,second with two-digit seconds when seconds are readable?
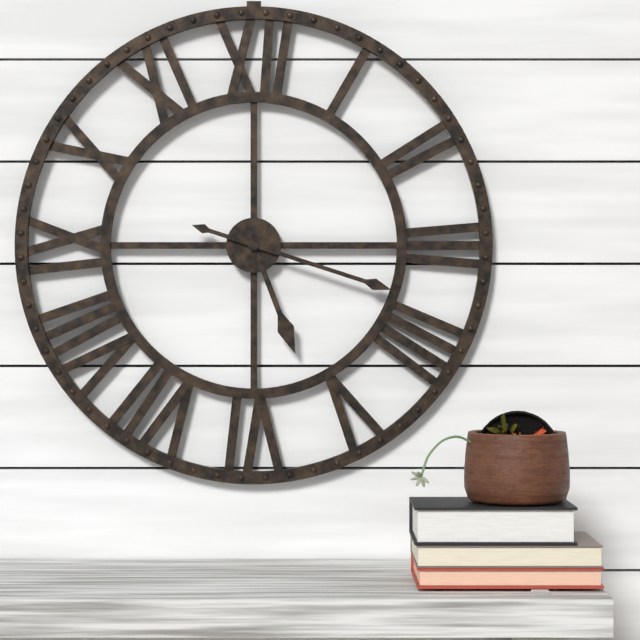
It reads 5,18
